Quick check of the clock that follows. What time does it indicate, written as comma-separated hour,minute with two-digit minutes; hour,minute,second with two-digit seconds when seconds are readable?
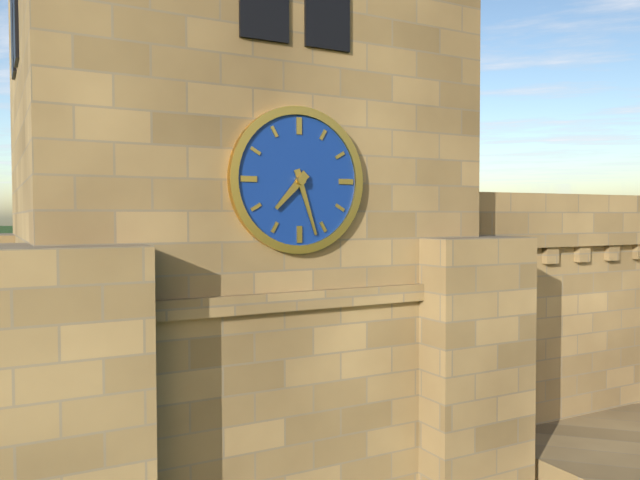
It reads 7,27
